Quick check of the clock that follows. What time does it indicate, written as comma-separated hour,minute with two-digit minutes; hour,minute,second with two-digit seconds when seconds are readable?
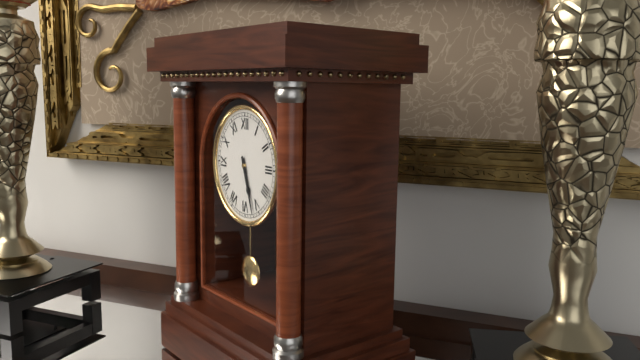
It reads 5,27
